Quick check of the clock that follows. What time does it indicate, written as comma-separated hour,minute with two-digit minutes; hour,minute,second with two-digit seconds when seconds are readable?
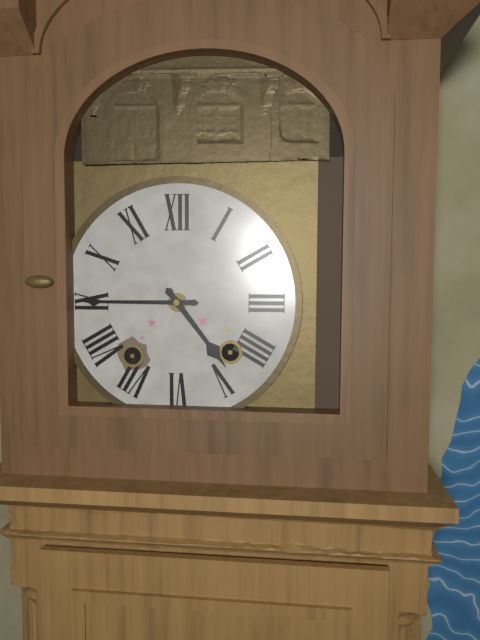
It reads 4,45
